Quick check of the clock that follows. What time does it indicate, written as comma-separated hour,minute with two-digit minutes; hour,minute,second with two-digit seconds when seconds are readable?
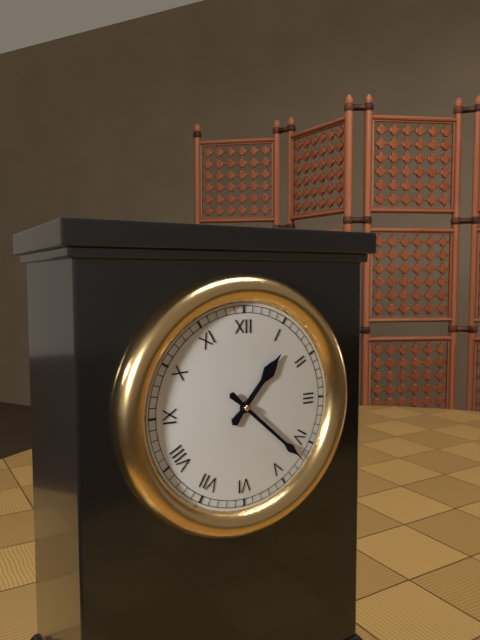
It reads 1,22
